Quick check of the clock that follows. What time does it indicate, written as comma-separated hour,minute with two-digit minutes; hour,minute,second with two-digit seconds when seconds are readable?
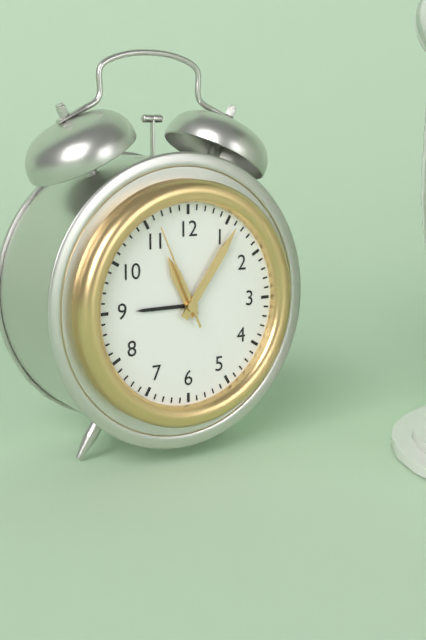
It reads 11,06,56
